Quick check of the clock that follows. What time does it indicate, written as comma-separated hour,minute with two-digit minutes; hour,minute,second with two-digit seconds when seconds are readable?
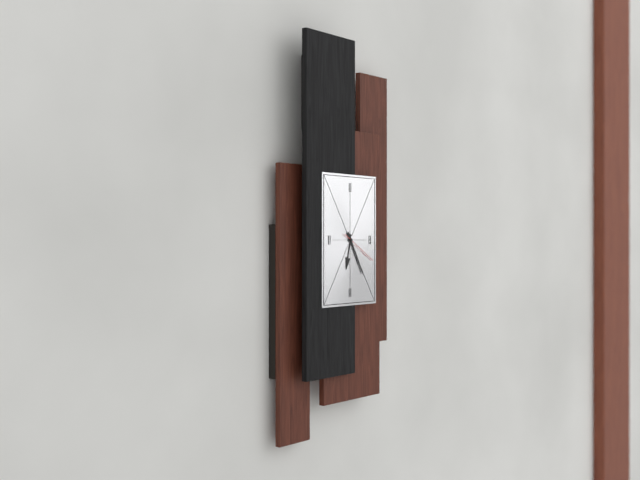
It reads 6,25,20
